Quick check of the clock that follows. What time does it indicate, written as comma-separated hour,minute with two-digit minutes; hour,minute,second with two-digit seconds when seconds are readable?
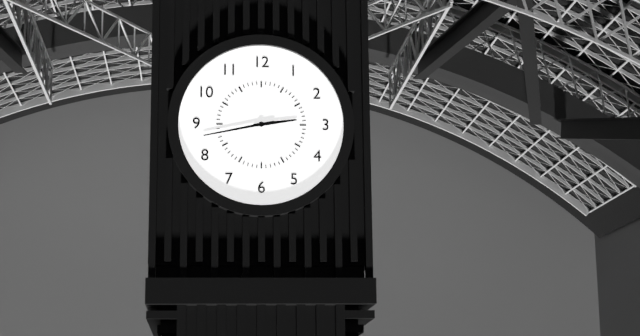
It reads 2,43
